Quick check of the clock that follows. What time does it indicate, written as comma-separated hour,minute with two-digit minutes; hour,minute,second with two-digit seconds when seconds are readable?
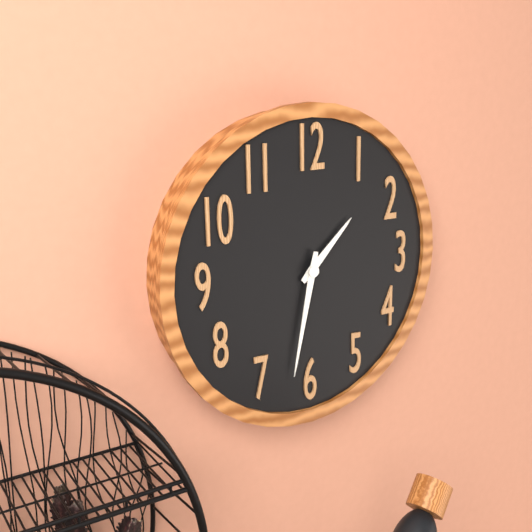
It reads 1,32
